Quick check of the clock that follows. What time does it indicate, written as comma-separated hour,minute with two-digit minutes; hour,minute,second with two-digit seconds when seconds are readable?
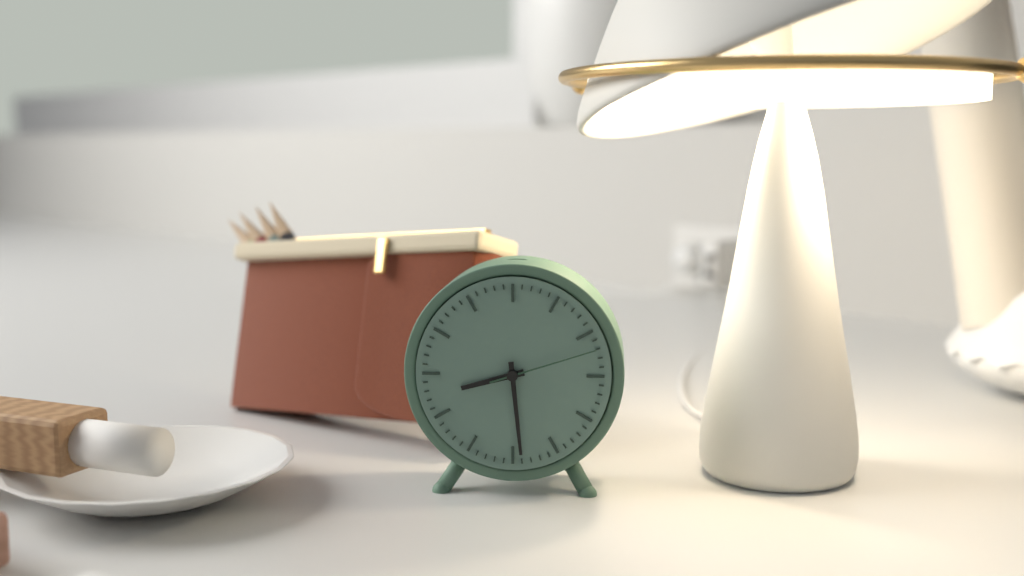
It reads 8,29,12
